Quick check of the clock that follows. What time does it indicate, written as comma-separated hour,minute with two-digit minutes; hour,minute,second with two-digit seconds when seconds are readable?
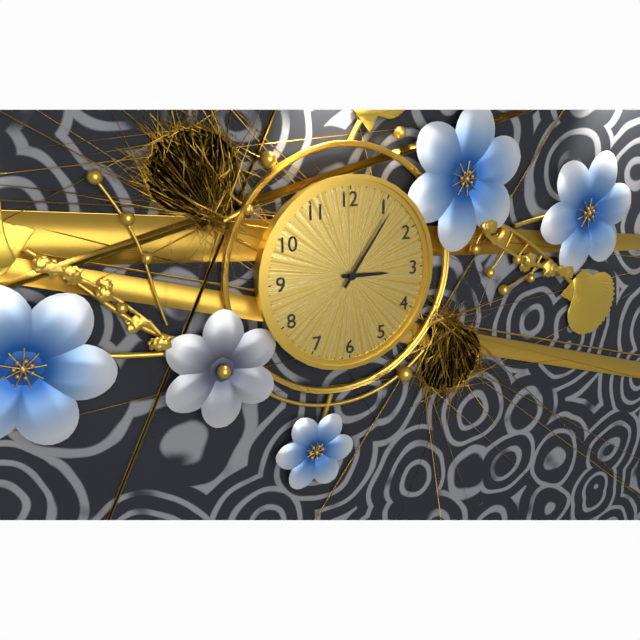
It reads 3,06
